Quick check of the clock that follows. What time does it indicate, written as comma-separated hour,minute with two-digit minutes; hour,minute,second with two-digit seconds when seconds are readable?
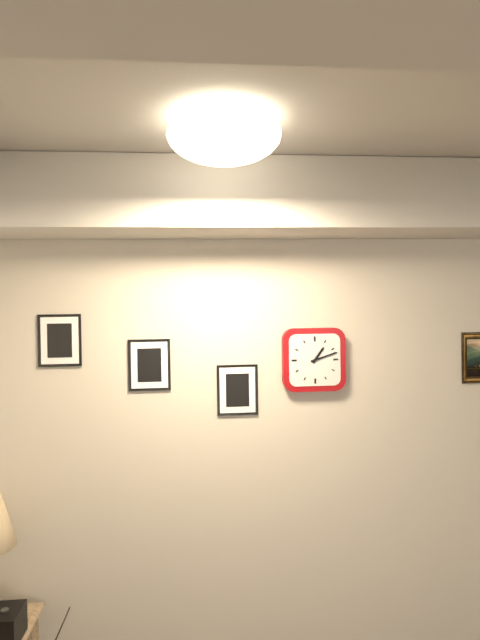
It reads 1,12
